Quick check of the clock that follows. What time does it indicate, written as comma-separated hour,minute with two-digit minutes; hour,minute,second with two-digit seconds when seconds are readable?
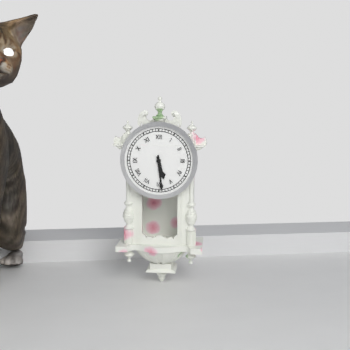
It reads 5,29
